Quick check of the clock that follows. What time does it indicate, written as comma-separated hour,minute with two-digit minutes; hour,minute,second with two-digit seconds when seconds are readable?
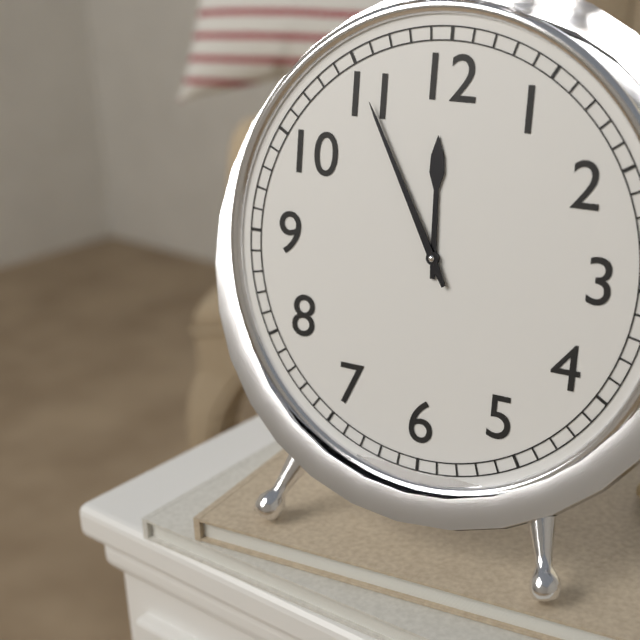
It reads 11,55
